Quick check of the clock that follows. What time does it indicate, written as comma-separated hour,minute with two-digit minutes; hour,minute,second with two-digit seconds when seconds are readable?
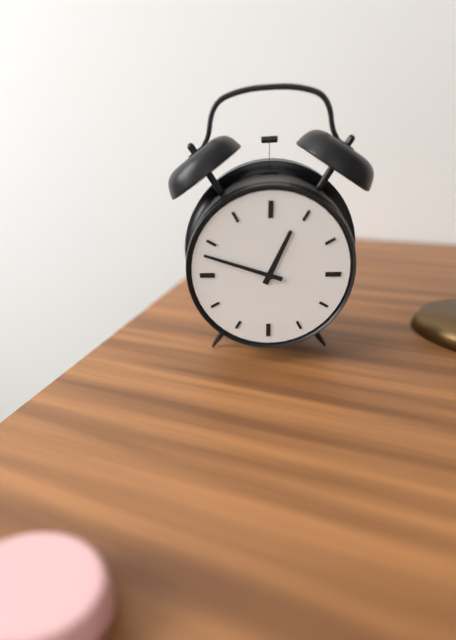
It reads 12,48
